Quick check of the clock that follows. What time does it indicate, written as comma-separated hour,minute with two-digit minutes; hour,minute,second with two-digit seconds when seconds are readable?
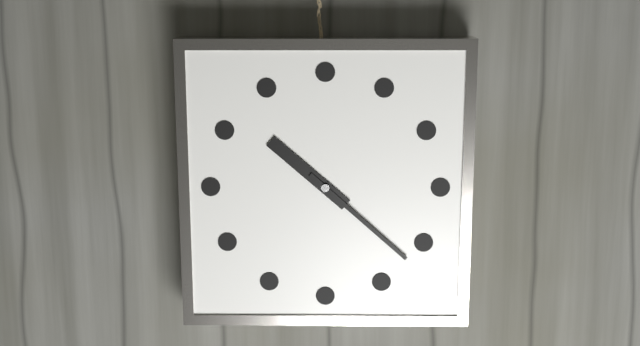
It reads 10,22
